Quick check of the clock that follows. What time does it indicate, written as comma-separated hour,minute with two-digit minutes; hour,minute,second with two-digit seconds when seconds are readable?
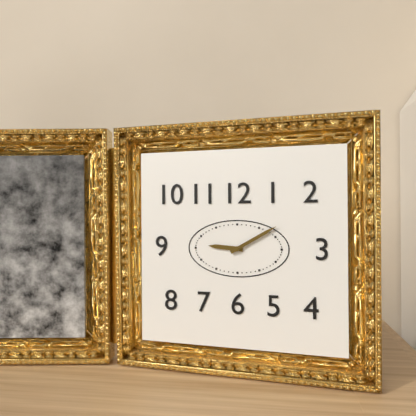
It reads 9,10
